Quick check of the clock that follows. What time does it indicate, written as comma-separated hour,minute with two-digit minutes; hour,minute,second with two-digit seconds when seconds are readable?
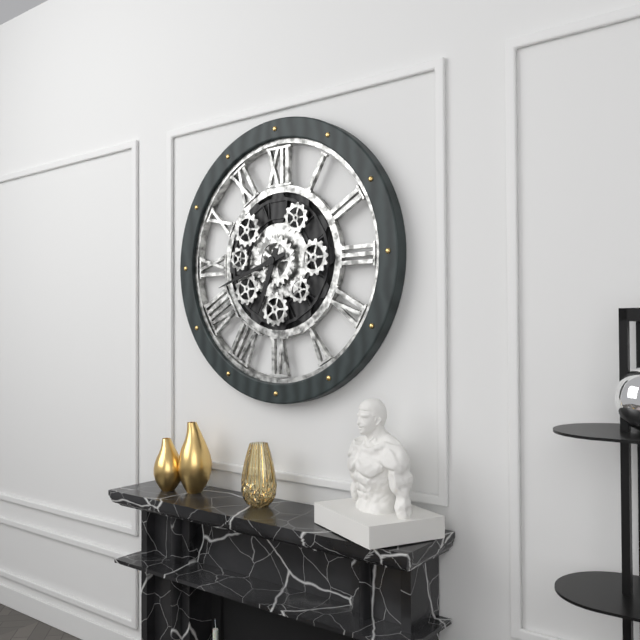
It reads 6,42
